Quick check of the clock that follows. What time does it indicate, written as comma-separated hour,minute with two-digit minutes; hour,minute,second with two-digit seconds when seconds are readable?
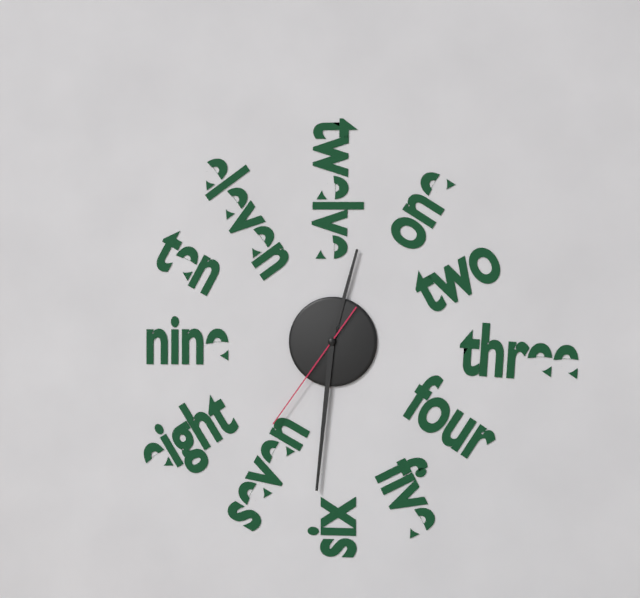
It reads 12,31,36
